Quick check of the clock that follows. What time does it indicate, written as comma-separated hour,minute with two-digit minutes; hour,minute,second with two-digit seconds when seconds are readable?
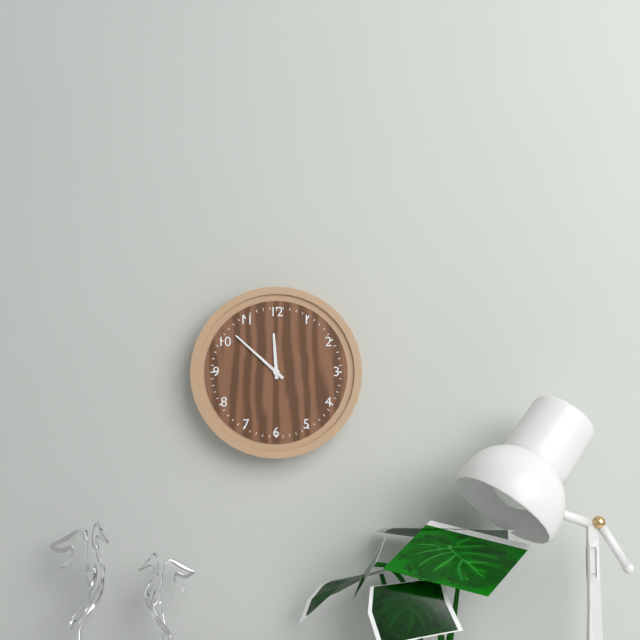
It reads 11,52
